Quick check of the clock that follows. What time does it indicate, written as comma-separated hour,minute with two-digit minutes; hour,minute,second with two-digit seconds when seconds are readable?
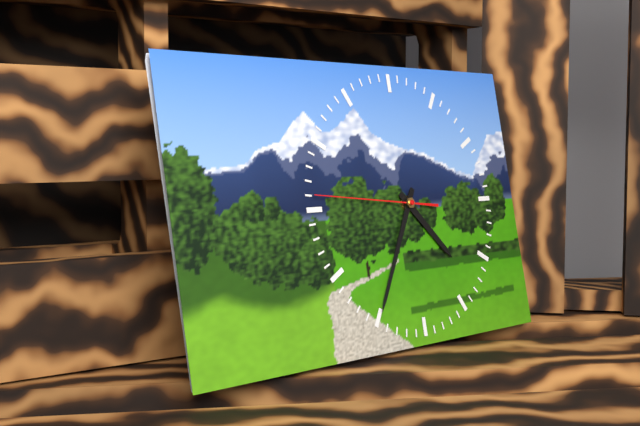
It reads 4,35,46
